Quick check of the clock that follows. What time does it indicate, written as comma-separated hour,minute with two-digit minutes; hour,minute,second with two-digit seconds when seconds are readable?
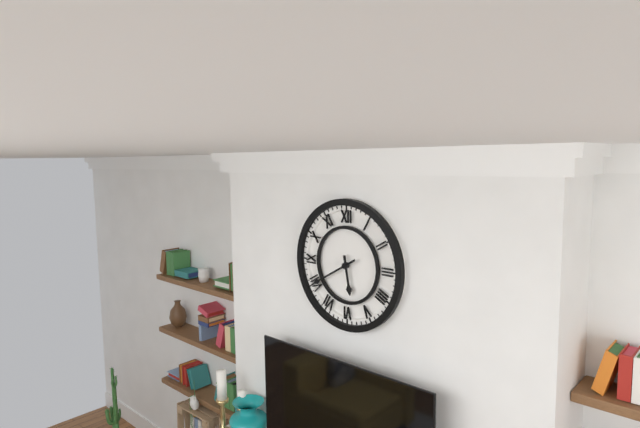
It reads 5,40
